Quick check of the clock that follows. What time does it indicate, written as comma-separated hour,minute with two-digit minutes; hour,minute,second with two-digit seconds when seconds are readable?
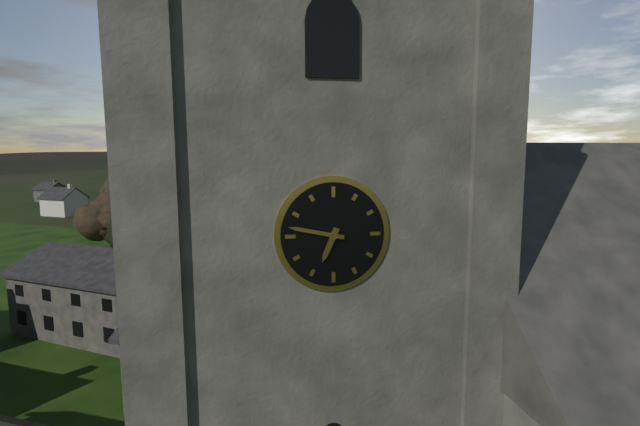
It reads 6,47
